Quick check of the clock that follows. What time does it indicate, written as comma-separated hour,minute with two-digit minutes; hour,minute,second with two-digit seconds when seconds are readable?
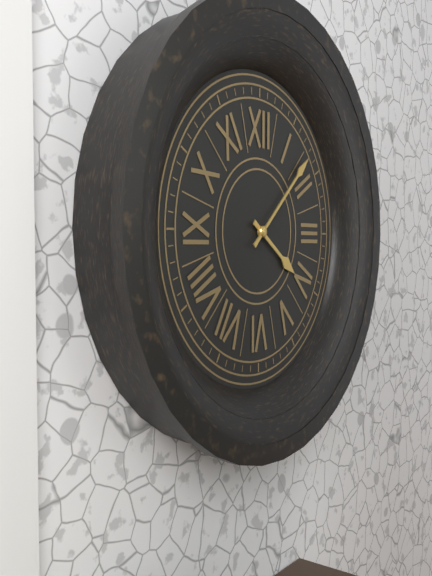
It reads 4,08
